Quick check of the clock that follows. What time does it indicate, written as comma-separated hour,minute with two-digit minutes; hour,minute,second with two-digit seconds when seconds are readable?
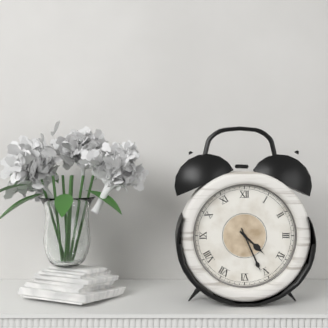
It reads 4,26
